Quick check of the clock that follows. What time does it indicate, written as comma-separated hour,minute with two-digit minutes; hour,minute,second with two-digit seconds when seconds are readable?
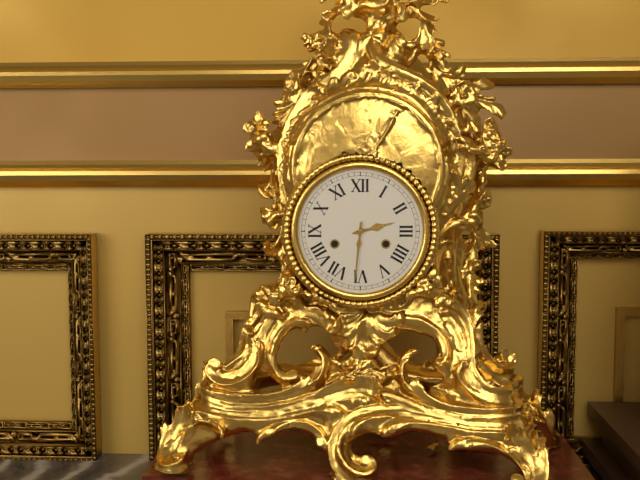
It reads 2,31
